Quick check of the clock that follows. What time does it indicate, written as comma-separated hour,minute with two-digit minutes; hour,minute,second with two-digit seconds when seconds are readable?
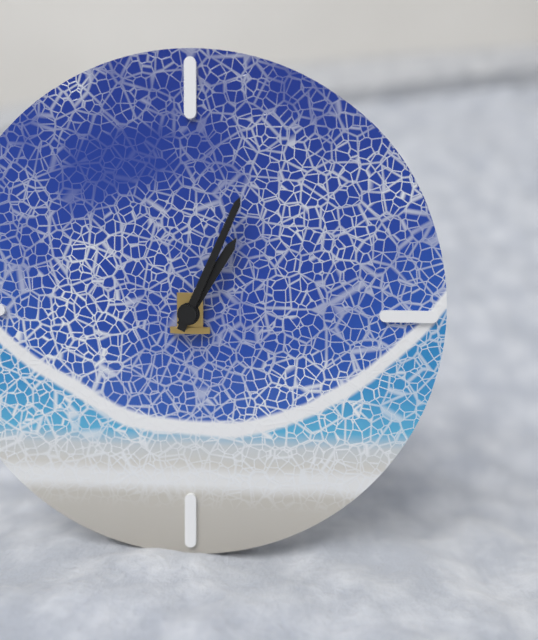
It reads 1,04
